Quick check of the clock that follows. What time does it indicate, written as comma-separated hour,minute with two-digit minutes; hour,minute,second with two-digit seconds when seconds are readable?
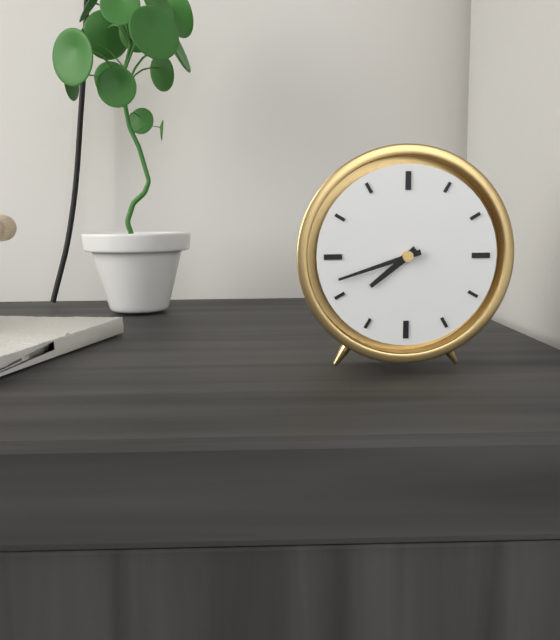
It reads 7,42
